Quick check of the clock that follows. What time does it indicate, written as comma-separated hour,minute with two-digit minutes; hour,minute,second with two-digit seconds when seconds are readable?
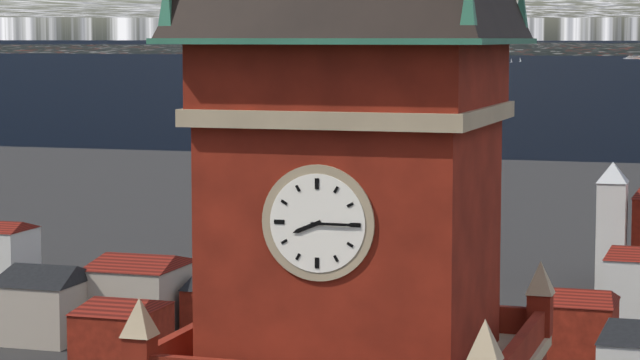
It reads 8,15
